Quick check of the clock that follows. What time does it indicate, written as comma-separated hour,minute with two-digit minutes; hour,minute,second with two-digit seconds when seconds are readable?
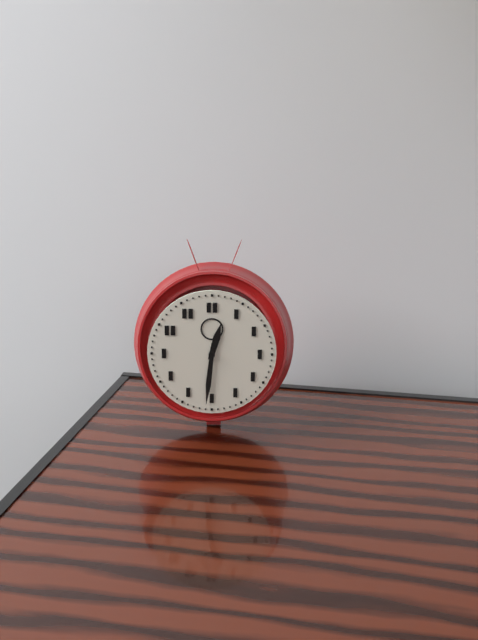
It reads 12,31
